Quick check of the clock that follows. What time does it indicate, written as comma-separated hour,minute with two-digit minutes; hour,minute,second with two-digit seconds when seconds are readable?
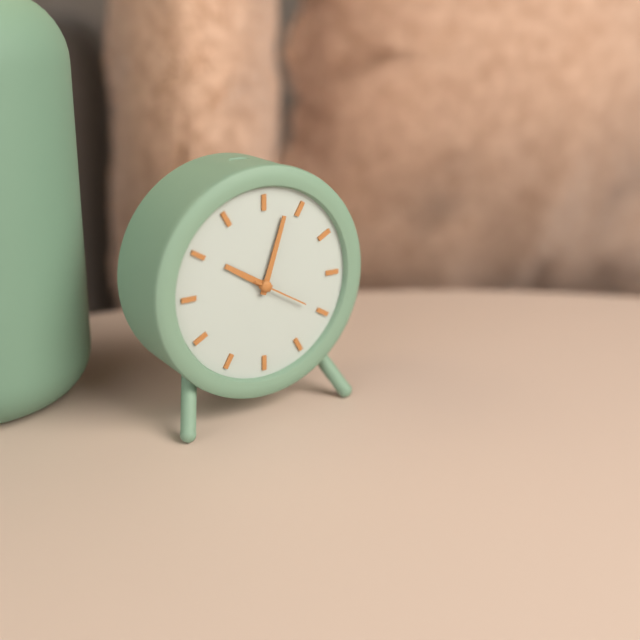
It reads 10,03,20
